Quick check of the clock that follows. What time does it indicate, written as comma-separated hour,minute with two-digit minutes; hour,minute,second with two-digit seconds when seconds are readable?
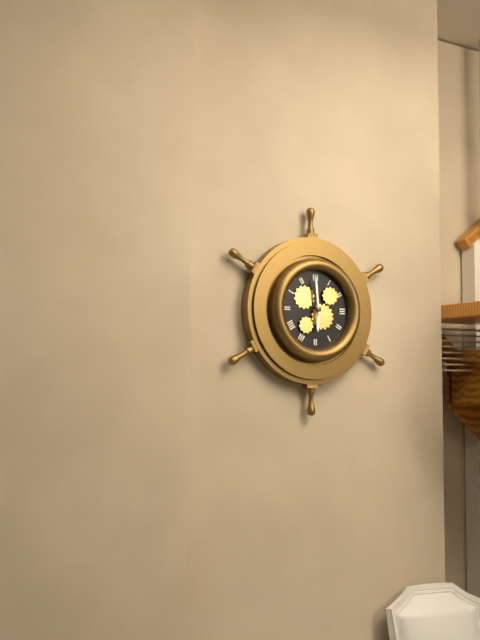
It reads 5,59
